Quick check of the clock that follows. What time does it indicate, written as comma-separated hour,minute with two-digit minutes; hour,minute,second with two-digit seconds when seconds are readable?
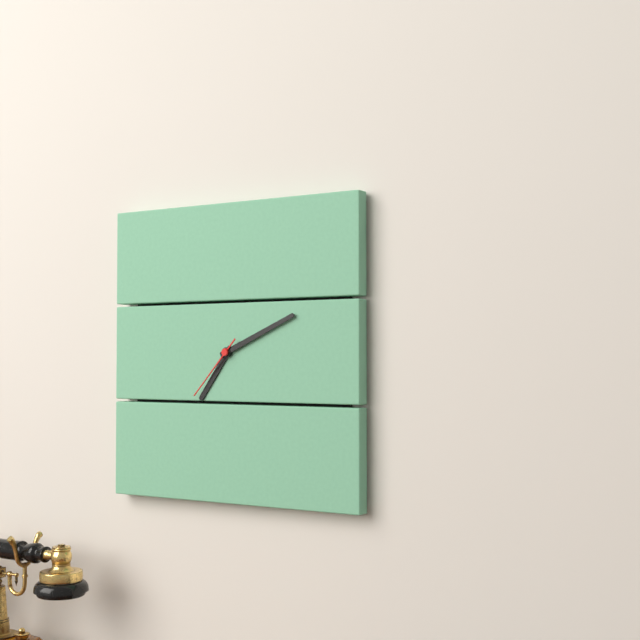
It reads 7,11,37
